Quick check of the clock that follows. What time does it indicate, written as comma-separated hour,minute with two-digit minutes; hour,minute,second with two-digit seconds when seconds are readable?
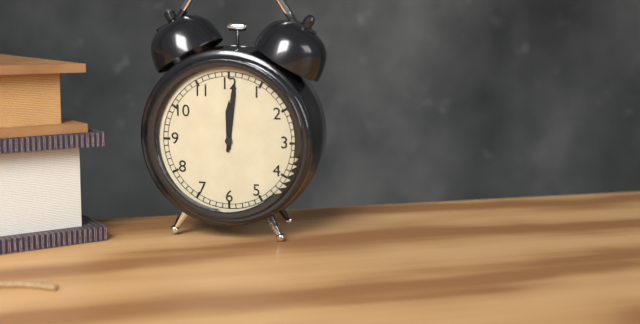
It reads 12,01
